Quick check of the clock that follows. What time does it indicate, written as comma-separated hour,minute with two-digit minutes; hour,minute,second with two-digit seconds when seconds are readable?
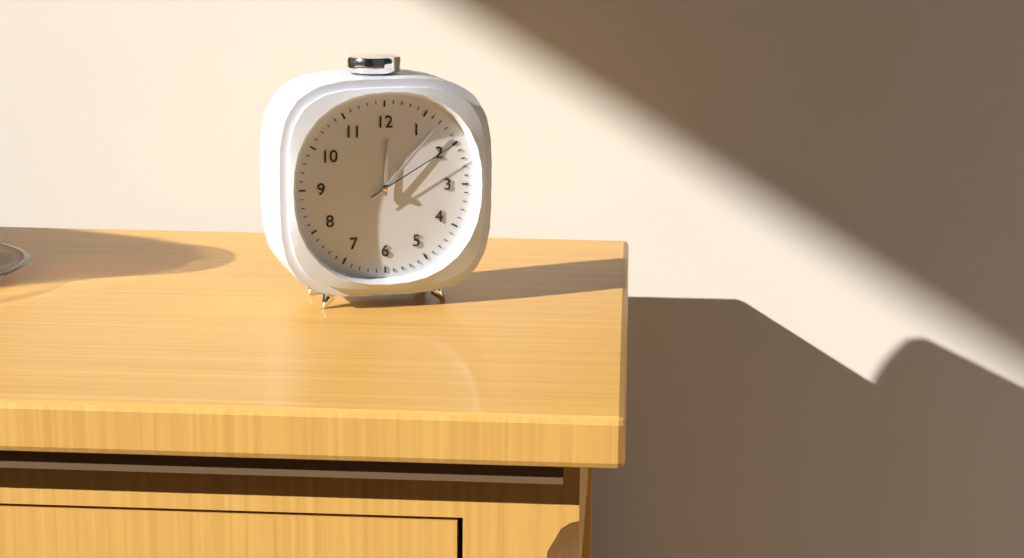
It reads 12,07,10
